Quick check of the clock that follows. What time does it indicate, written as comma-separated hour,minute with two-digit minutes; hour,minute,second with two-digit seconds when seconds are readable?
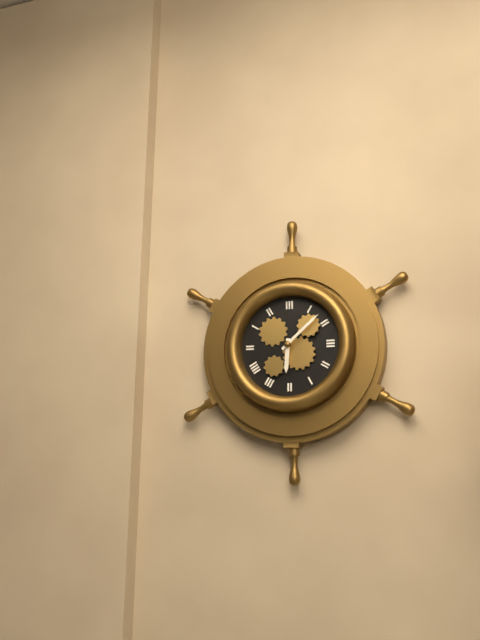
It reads 6,08
